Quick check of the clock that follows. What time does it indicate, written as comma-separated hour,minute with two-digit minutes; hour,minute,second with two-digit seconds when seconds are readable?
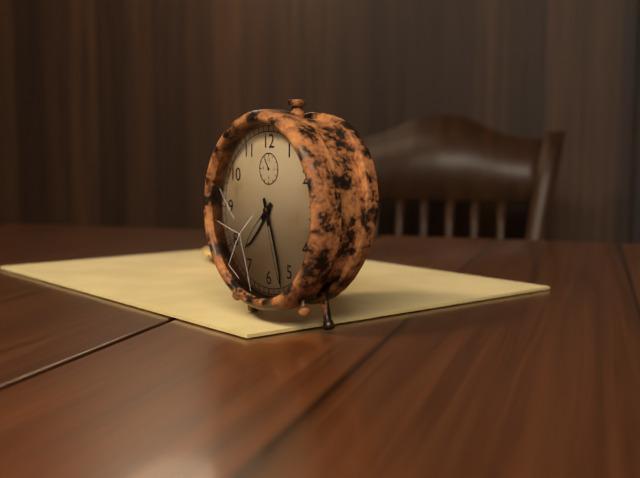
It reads 7,27
